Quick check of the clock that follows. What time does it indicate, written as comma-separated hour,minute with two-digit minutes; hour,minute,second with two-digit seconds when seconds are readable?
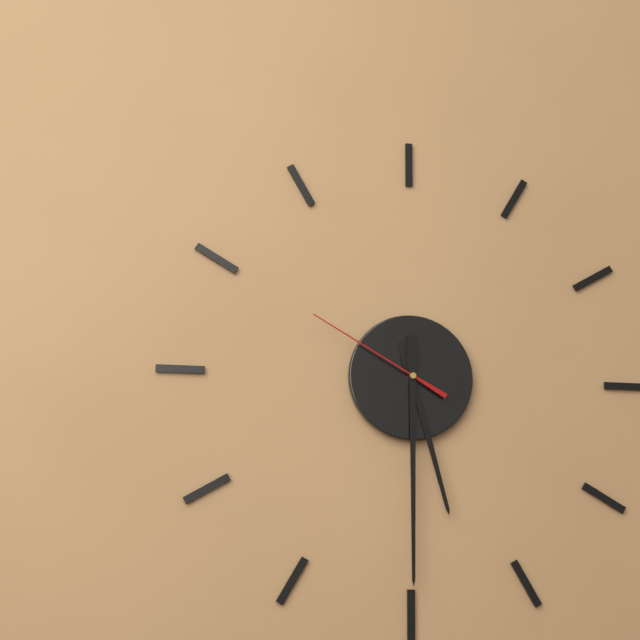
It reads 5,30,50
